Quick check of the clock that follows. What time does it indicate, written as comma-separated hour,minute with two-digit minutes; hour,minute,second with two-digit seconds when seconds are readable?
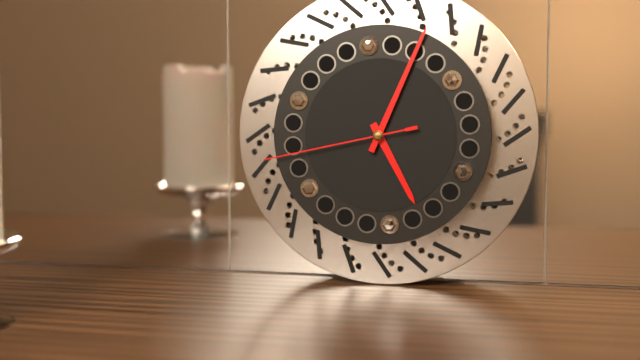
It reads 5,04,43
